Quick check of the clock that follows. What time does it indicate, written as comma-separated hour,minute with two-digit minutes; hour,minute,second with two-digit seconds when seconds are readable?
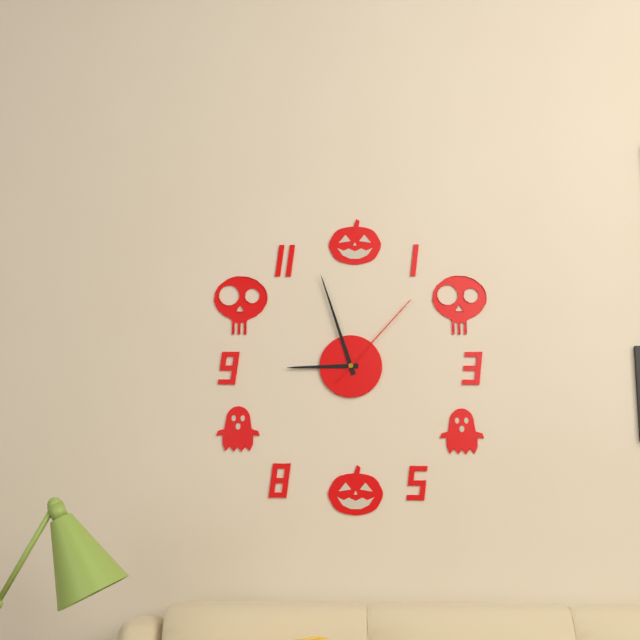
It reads 8,57,07
